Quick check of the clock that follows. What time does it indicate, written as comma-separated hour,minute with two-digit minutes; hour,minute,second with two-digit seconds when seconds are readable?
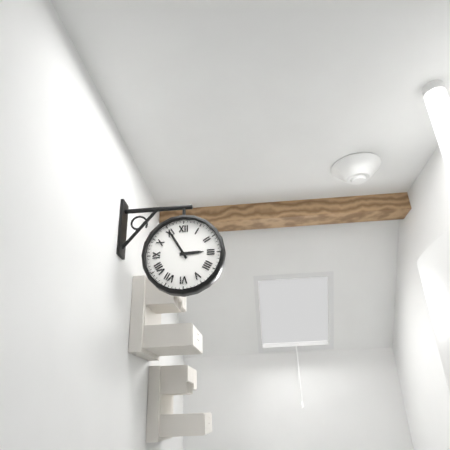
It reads 2,55
